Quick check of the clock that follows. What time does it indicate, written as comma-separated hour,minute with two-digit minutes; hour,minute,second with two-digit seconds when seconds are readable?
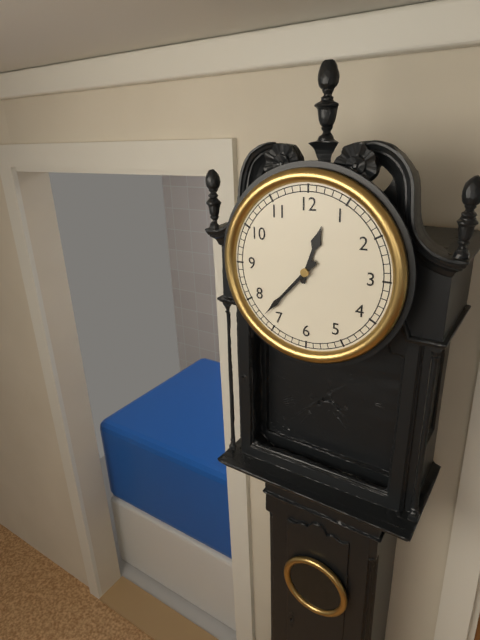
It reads 12,37
